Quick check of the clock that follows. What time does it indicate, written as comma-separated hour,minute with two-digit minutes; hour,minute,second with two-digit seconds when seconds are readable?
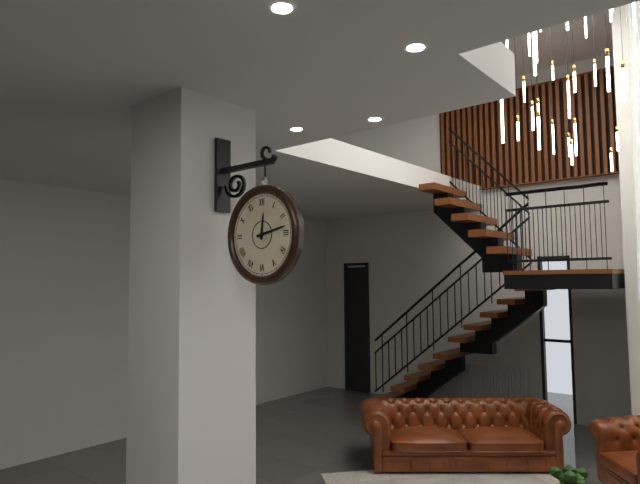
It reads 12,13
